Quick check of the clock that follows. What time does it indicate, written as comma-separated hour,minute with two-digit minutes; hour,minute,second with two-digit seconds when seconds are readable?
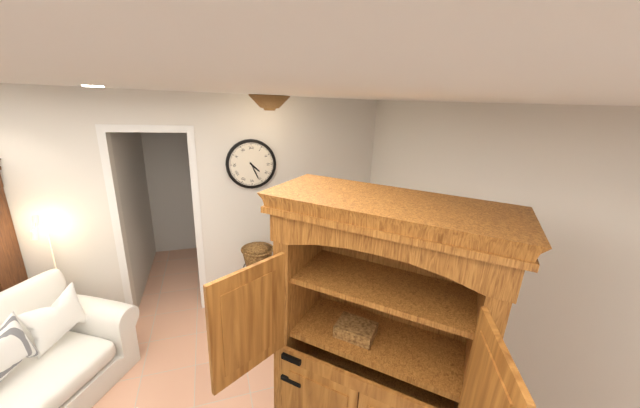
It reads 4,26
